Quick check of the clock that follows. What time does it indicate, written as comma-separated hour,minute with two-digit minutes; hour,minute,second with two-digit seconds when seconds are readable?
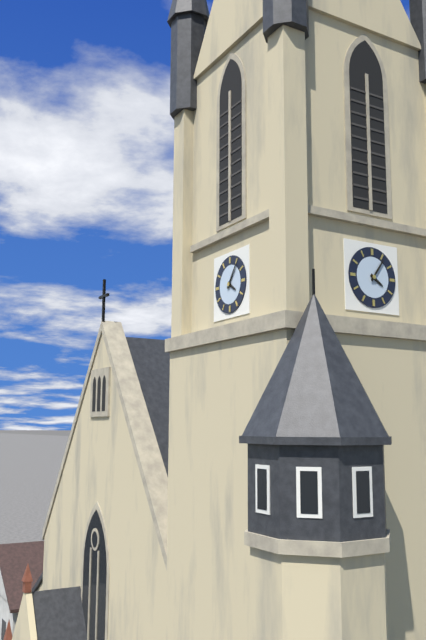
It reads 4,06
